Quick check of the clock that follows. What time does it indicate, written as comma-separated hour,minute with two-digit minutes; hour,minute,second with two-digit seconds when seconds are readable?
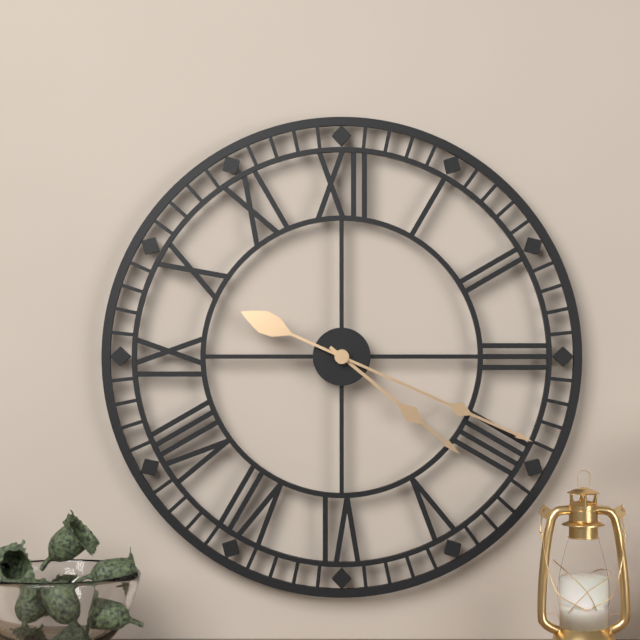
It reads 4,19
